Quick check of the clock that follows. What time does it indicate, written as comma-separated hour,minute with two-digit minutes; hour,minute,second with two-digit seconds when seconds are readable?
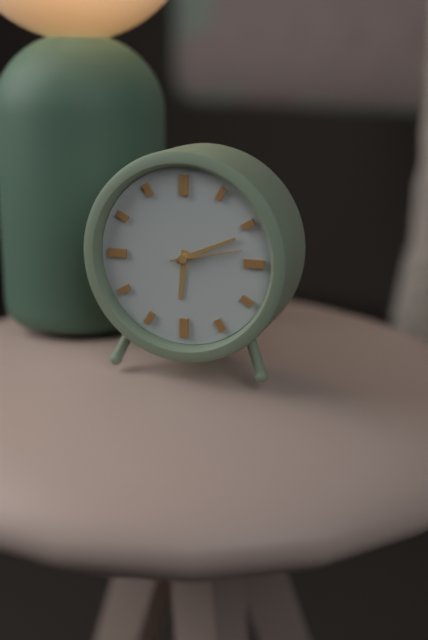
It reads 6,11,13
